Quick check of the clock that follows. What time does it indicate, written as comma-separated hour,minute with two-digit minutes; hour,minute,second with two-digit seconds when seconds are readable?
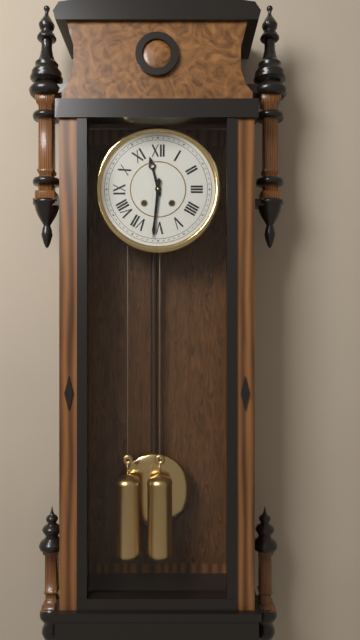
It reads 11,31
